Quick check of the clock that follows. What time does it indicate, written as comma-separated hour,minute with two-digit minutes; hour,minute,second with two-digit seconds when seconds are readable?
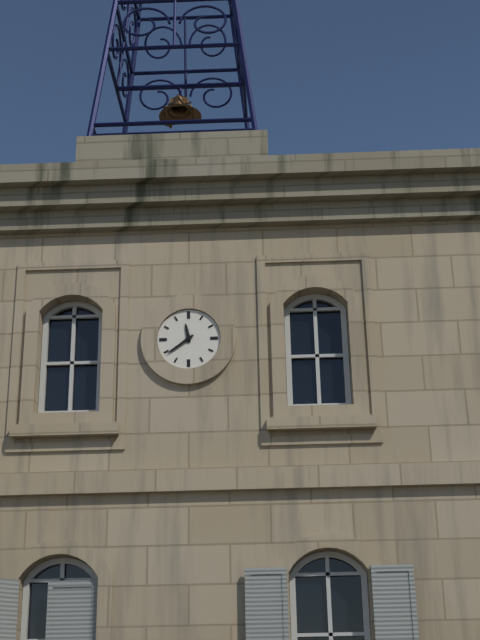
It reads 11,39
